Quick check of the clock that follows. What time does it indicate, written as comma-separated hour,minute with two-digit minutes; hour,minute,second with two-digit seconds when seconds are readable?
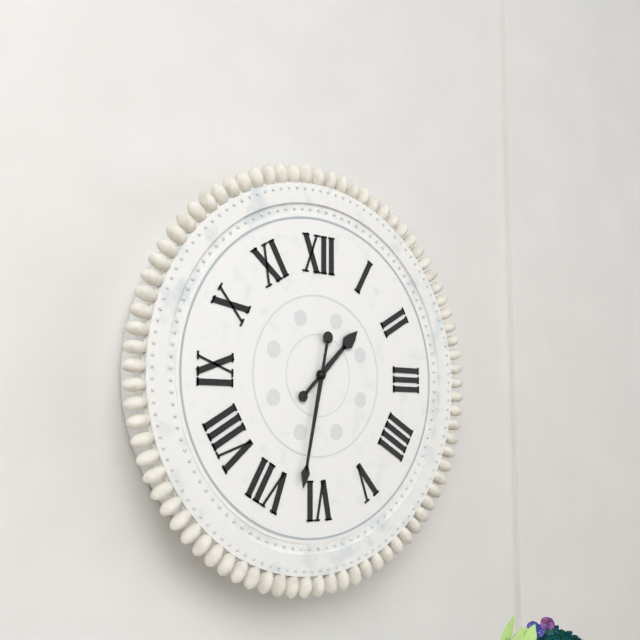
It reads 1,32
